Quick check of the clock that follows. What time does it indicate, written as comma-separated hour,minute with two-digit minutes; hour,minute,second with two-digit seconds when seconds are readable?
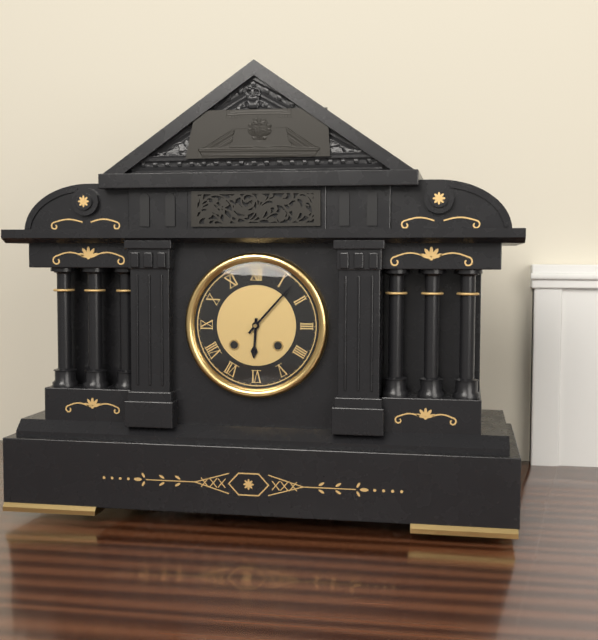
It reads 6,07
